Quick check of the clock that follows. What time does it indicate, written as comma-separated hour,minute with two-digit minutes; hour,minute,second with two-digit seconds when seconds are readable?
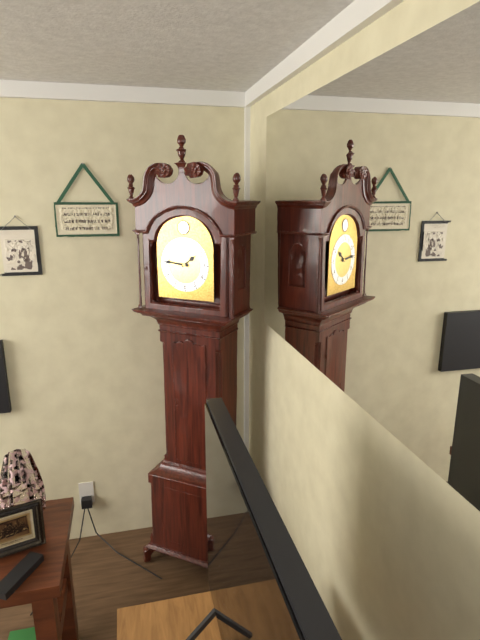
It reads 1,46
